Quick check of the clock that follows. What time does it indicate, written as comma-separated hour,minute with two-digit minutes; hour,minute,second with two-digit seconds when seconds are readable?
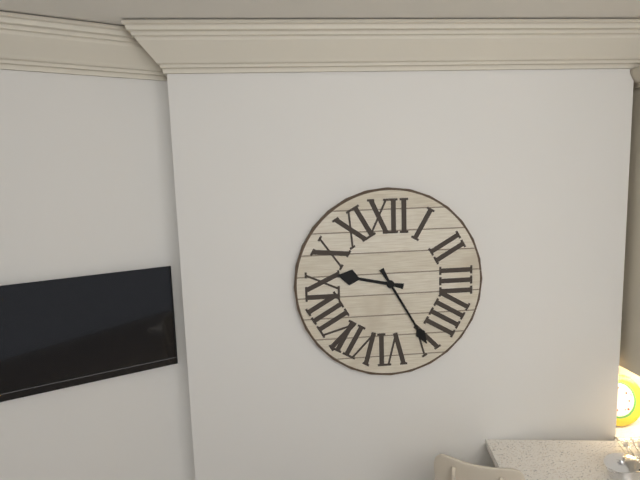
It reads 9,25
